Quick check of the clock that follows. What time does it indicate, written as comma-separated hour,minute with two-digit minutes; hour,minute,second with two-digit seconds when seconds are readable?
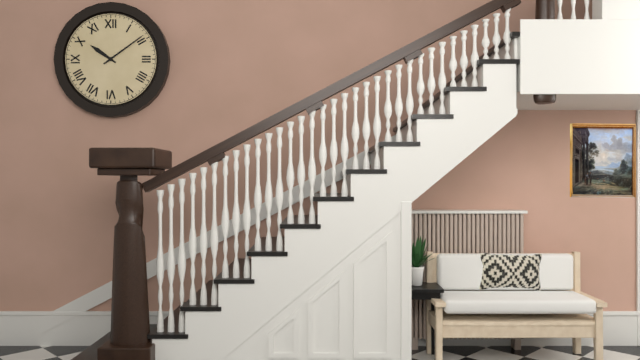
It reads 10,09
